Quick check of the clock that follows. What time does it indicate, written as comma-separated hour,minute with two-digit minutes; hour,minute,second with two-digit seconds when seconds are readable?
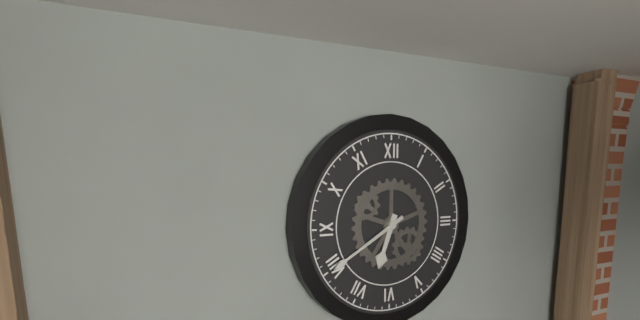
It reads 6,40
